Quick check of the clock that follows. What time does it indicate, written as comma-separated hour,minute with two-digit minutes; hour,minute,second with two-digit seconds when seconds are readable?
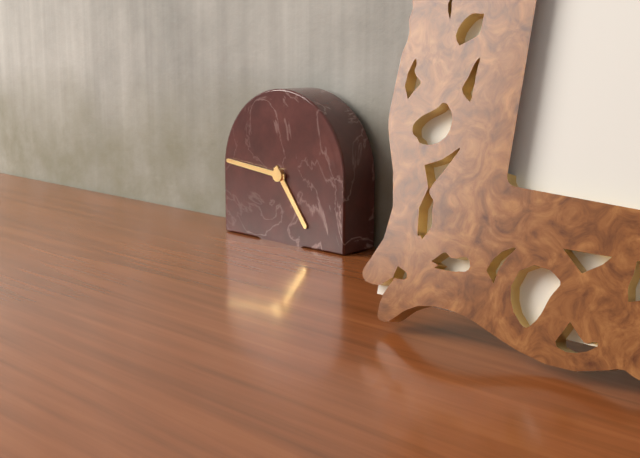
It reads 4,46
